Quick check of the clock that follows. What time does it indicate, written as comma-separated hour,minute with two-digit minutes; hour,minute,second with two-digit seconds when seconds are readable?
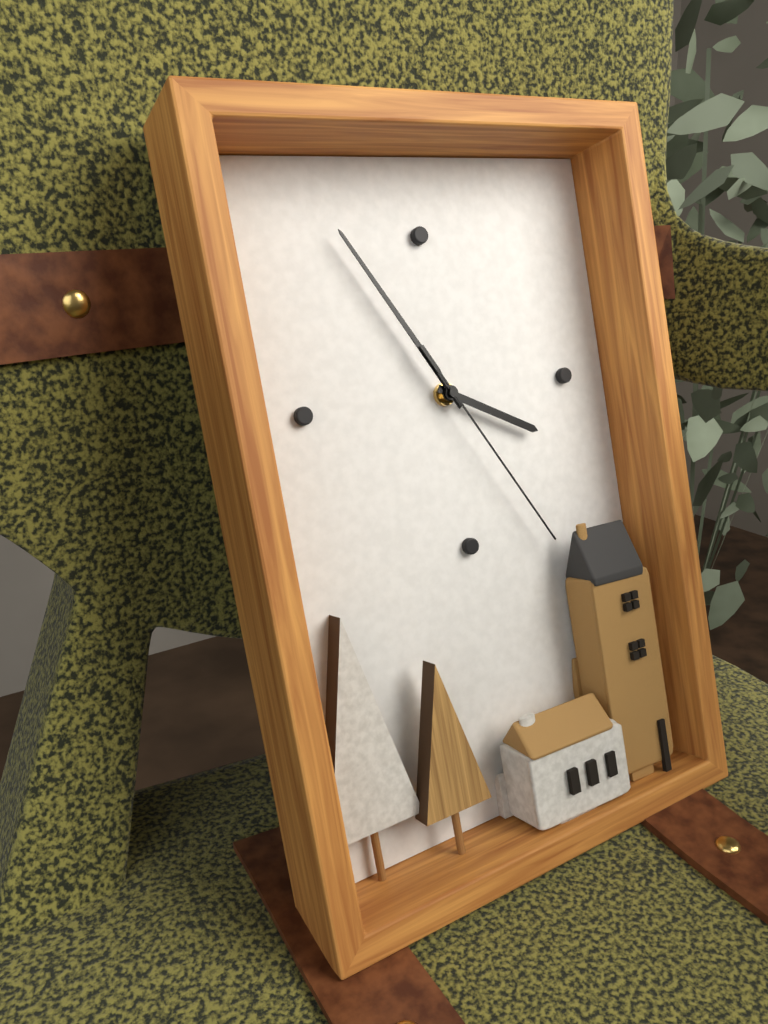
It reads 3,55,25
